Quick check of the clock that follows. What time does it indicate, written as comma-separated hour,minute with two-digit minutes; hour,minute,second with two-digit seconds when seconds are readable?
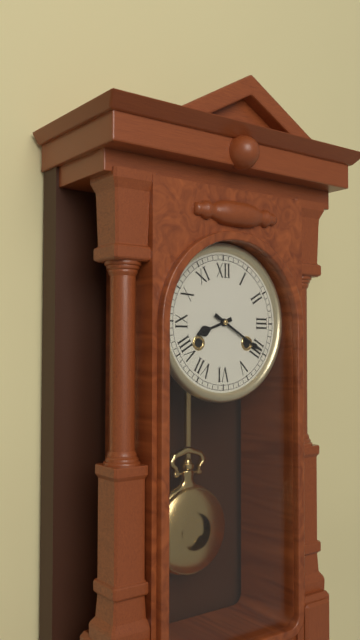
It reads 8,20
